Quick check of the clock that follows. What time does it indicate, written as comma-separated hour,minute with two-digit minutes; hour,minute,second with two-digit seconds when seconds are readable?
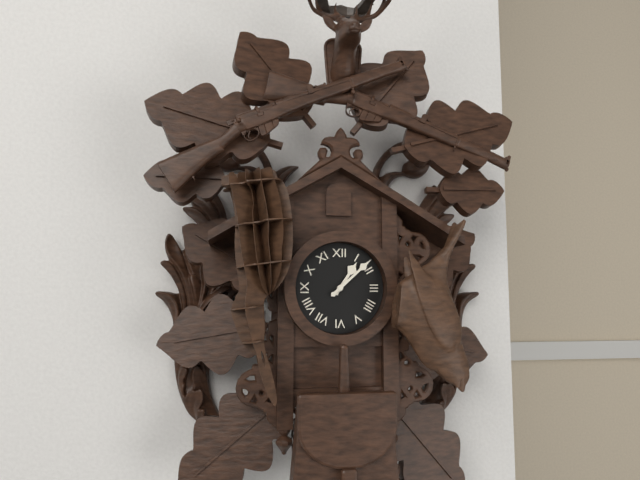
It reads 1,08
